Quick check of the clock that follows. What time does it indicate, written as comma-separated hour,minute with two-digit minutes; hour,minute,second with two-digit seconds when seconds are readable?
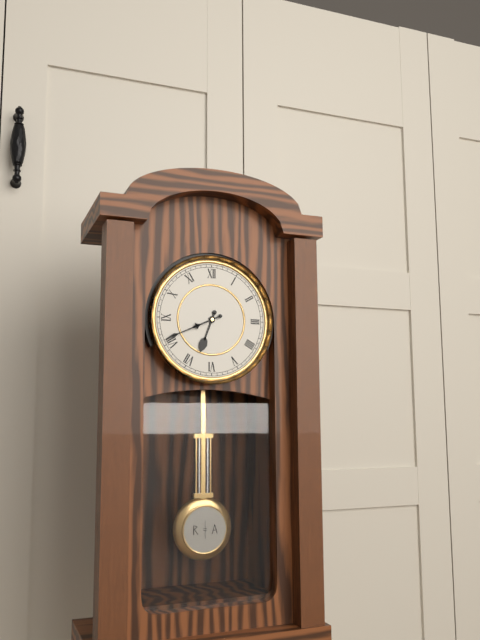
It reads 6,41
